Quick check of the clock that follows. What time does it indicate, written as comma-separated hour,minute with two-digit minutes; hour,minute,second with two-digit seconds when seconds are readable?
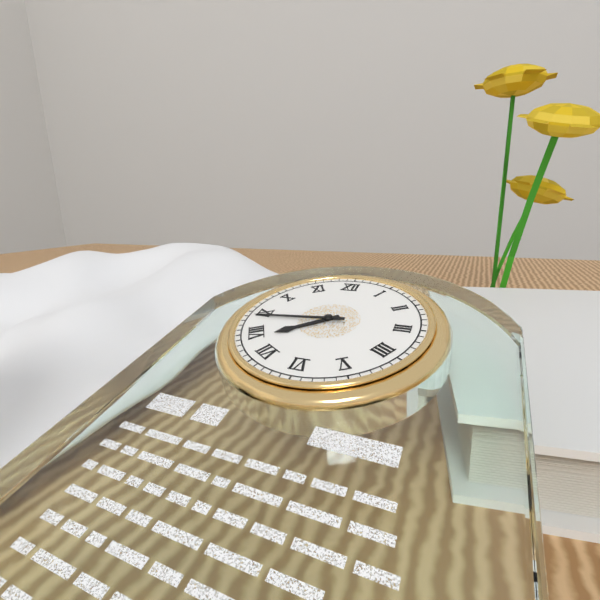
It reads 7,44
